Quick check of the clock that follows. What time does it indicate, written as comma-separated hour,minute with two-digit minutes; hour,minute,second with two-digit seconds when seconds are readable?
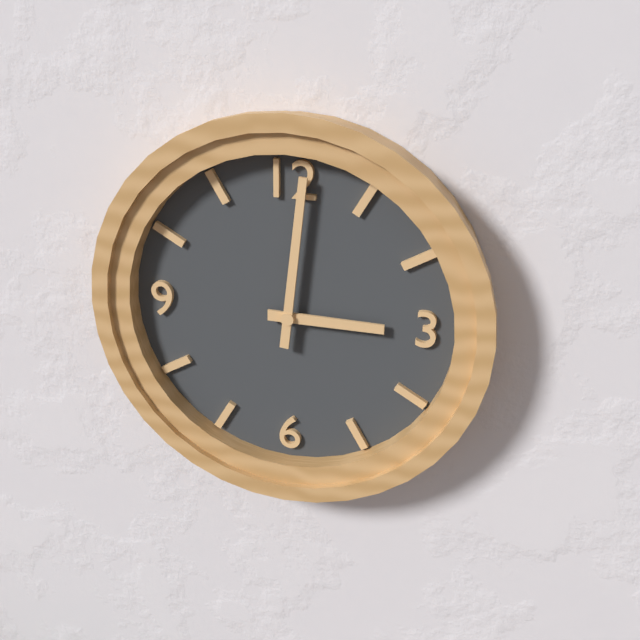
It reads 3,01
